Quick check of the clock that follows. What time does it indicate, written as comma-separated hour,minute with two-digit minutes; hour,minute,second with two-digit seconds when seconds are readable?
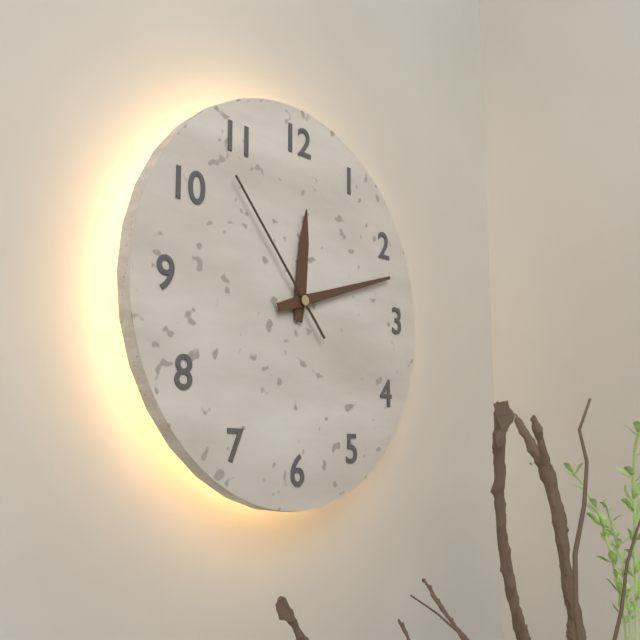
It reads 12,12,53
